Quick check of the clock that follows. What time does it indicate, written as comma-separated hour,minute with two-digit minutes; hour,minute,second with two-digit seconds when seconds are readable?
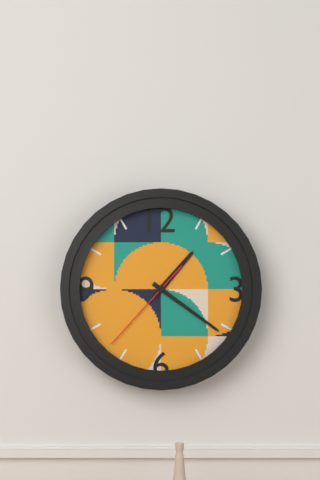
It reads 1,21,37
